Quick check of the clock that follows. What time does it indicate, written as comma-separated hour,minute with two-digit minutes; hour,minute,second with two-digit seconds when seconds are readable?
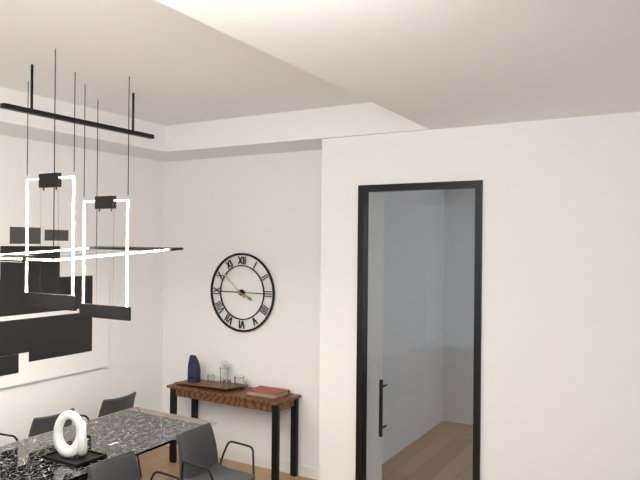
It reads 3,52
